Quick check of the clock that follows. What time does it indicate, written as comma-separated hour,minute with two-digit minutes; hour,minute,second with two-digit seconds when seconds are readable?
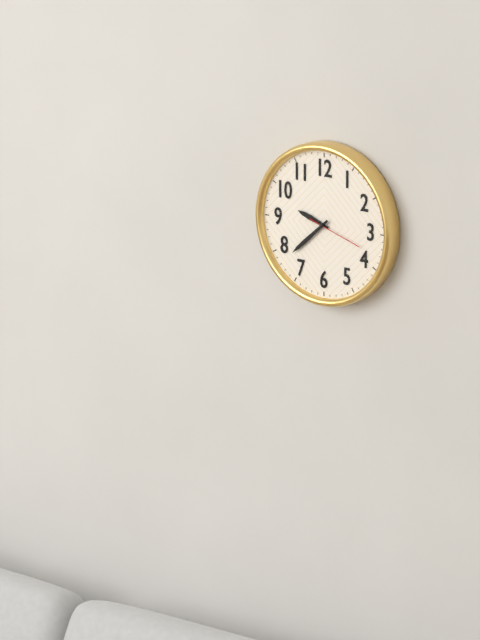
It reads 9,38,18
